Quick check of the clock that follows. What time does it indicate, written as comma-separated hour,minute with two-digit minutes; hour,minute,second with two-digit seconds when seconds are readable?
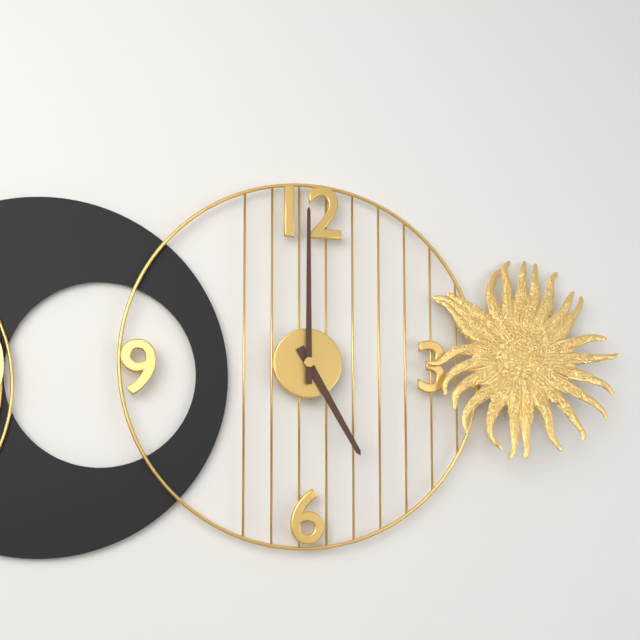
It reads 5,00
